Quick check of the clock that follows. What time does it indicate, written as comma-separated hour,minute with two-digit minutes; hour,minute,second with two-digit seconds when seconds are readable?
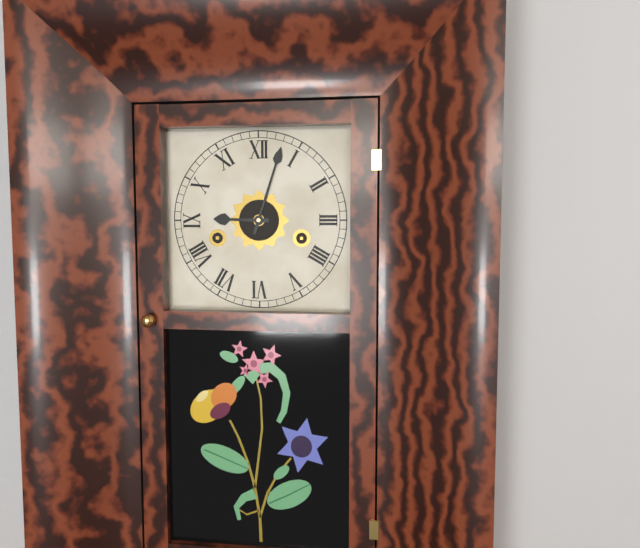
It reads 9,03
